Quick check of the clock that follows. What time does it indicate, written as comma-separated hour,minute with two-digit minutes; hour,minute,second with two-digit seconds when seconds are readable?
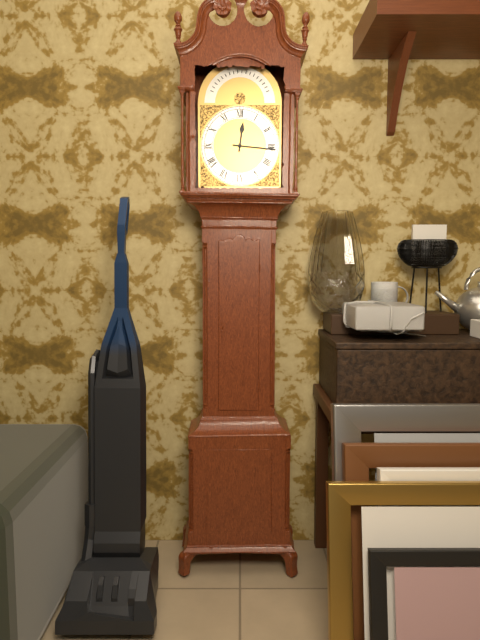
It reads 12,16
